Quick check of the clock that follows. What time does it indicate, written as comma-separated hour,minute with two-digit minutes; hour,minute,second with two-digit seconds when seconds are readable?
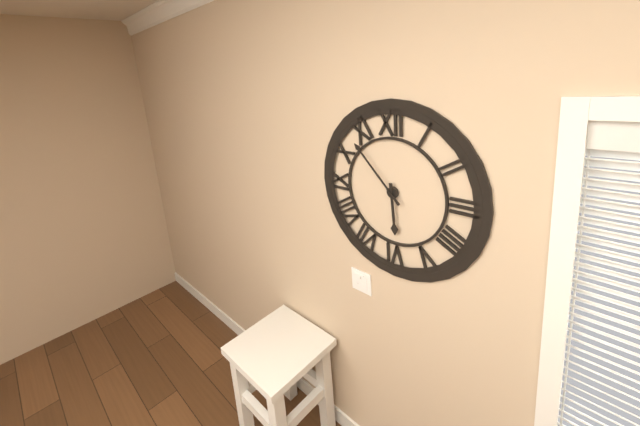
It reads 5,53
